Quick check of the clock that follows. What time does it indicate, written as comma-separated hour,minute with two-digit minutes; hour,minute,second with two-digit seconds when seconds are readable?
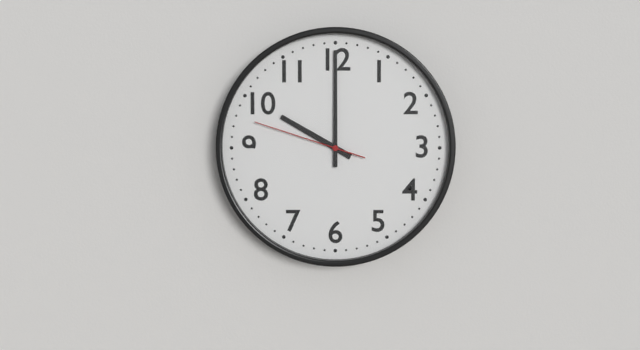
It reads 10,00,48
